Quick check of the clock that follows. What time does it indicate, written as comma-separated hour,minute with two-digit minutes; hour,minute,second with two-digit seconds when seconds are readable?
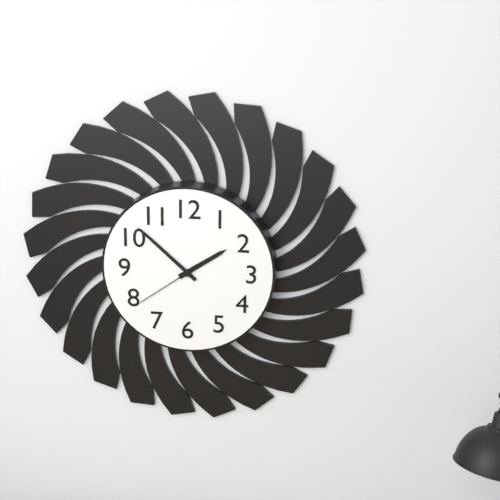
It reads 1,52,39
